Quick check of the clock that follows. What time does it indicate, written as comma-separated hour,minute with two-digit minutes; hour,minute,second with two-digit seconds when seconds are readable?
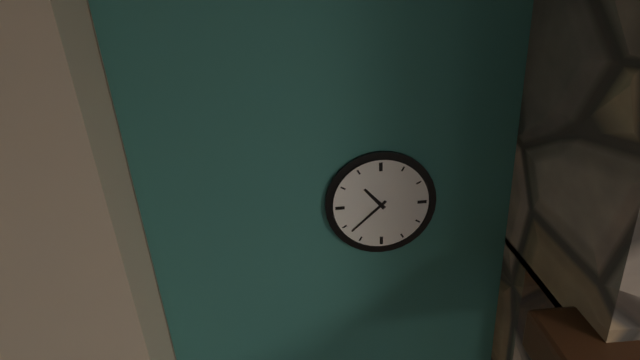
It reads 10,38
